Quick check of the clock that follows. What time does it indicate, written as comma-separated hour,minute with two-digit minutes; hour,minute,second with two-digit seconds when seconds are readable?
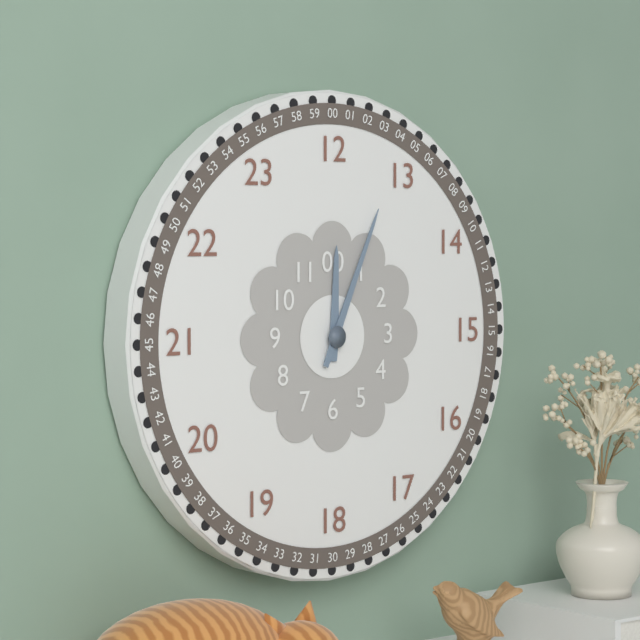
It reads 12,04
